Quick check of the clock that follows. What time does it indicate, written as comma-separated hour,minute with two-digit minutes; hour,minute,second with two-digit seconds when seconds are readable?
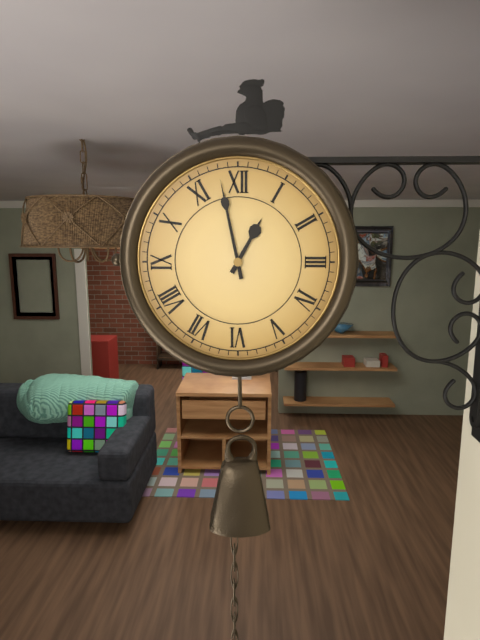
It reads 12,58
